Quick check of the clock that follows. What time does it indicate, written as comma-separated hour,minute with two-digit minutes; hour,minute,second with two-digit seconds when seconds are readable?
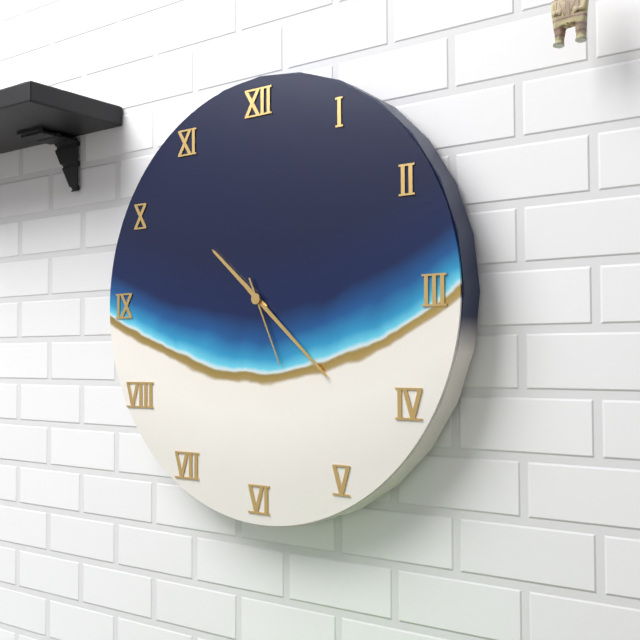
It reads 10,22,26
